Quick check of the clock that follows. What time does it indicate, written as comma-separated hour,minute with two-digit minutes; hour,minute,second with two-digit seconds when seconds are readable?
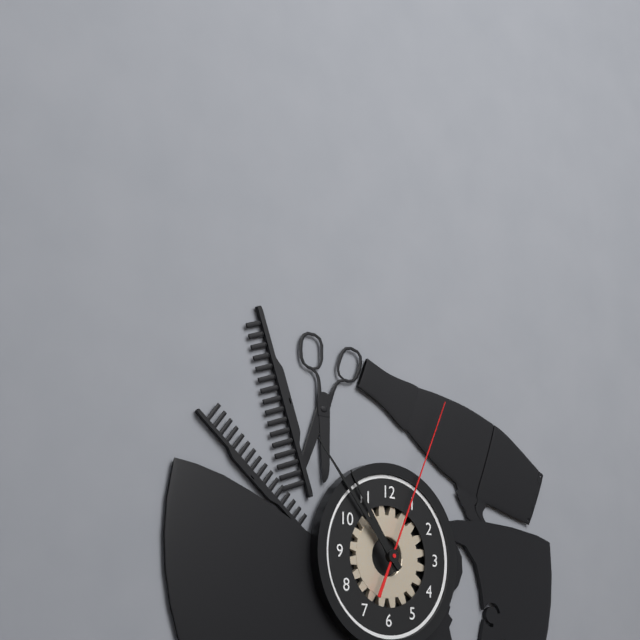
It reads 10,53,04
